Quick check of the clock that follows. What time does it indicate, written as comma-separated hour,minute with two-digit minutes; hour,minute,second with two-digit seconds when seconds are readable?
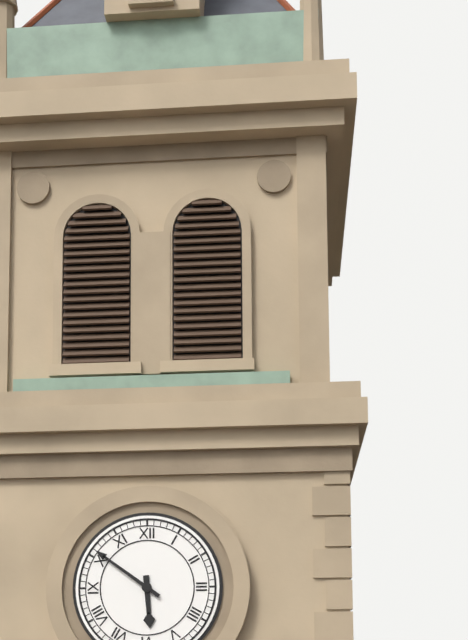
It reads 5,51
